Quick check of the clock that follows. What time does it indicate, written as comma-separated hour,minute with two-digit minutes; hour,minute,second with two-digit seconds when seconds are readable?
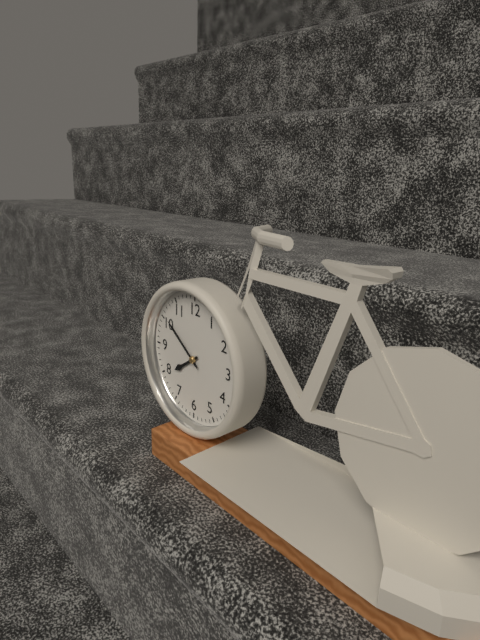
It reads 7,51
